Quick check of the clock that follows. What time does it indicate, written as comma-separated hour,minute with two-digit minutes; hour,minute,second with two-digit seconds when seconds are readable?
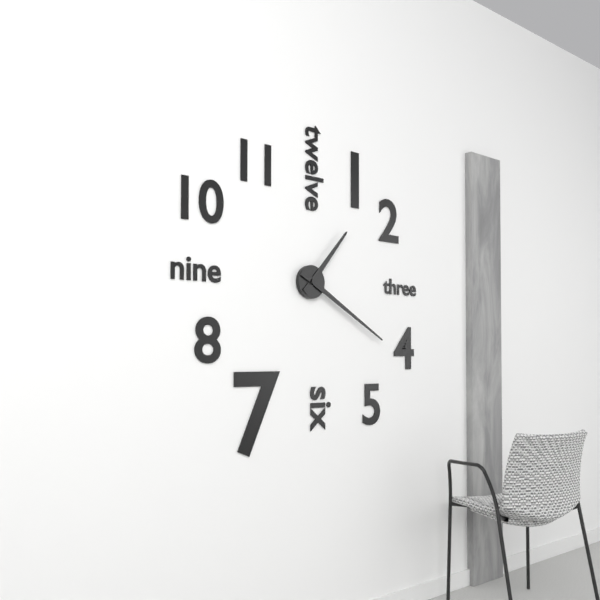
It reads 1,20
